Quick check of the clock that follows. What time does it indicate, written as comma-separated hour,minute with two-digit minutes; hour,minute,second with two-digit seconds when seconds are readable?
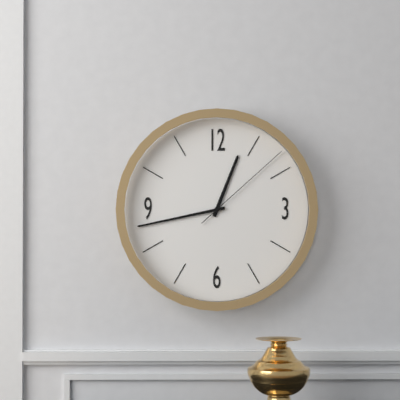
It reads 12,43,08
